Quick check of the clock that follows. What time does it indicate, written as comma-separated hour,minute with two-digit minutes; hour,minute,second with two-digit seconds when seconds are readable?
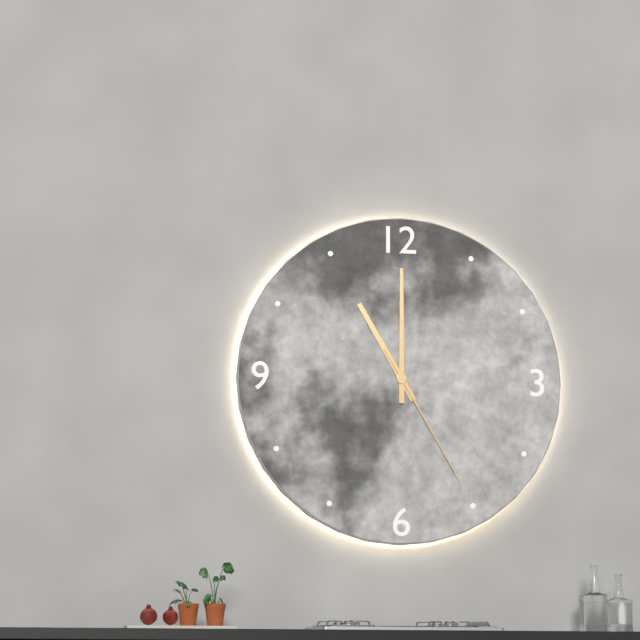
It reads 11,00,25
